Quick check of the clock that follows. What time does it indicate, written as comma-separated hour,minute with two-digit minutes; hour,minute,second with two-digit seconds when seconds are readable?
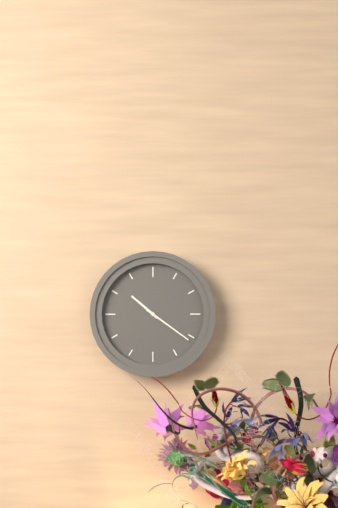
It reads 10,21
